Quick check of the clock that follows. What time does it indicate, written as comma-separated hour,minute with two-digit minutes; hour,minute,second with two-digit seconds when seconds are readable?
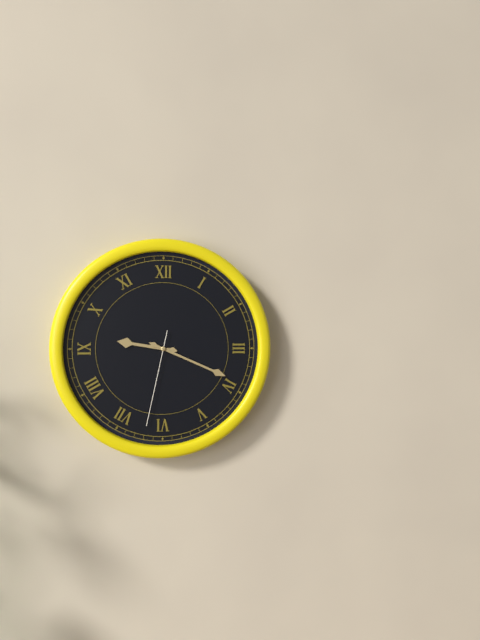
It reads 9,19,32
